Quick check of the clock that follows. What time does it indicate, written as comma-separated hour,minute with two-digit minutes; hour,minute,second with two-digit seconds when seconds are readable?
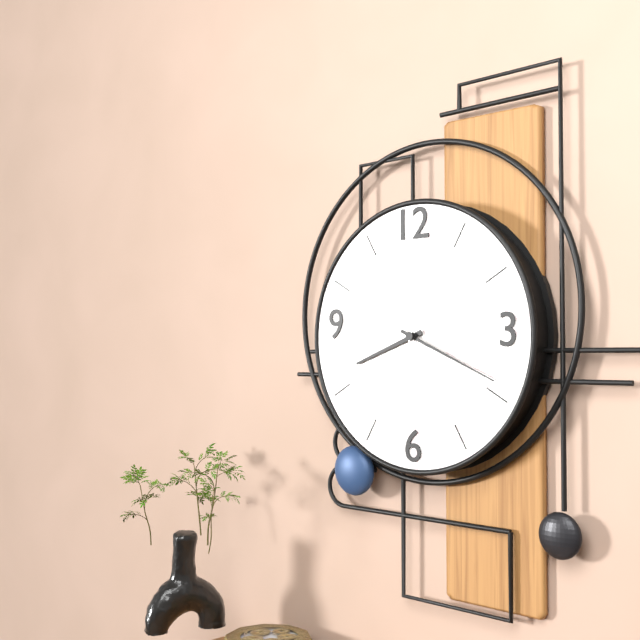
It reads 8,19,03
